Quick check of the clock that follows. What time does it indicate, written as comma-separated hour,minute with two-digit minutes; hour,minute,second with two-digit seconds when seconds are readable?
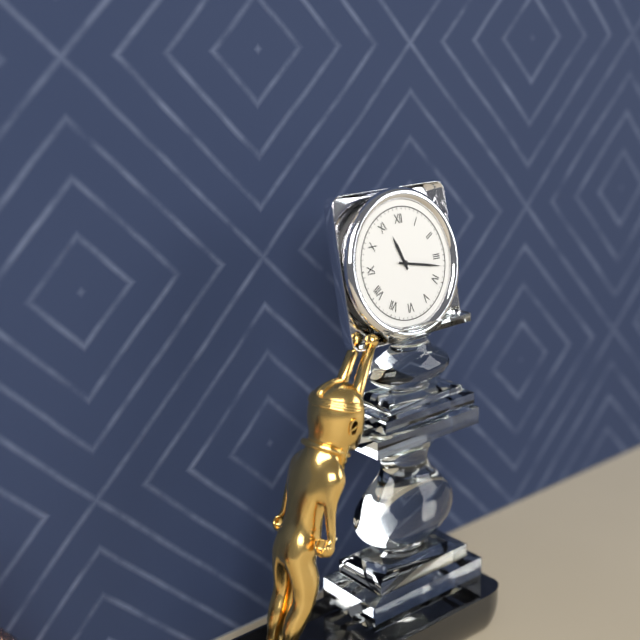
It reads 11,17
